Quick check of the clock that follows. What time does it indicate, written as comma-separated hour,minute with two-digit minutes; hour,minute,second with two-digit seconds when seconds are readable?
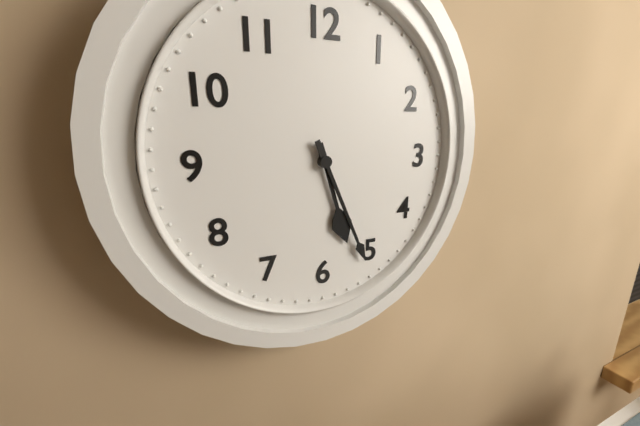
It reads 5,26
